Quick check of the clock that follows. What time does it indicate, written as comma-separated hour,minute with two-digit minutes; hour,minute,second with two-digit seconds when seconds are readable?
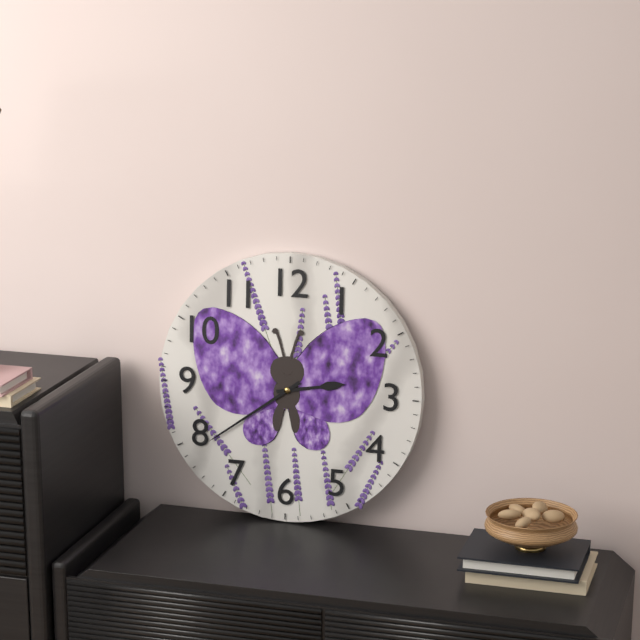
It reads 2,39
